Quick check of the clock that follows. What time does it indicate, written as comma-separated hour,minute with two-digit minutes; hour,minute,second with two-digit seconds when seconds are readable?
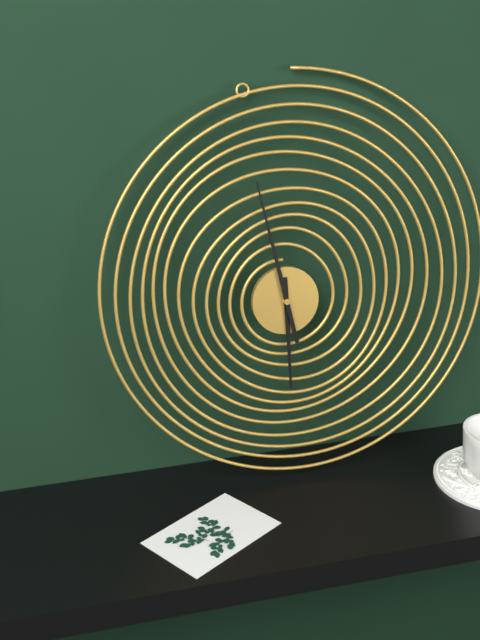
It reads 5,58
